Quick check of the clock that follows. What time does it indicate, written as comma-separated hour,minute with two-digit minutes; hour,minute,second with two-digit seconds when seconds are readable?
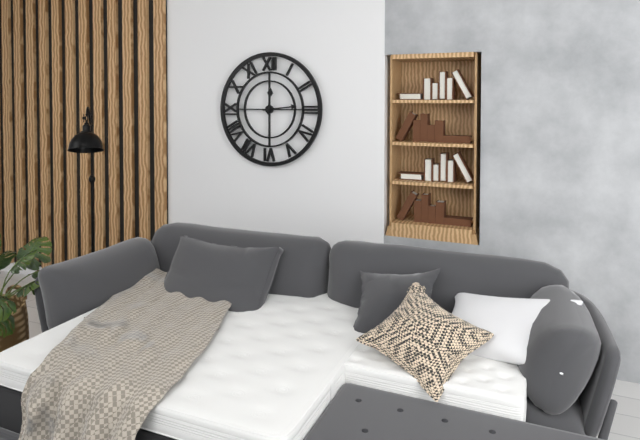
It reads 12,14
